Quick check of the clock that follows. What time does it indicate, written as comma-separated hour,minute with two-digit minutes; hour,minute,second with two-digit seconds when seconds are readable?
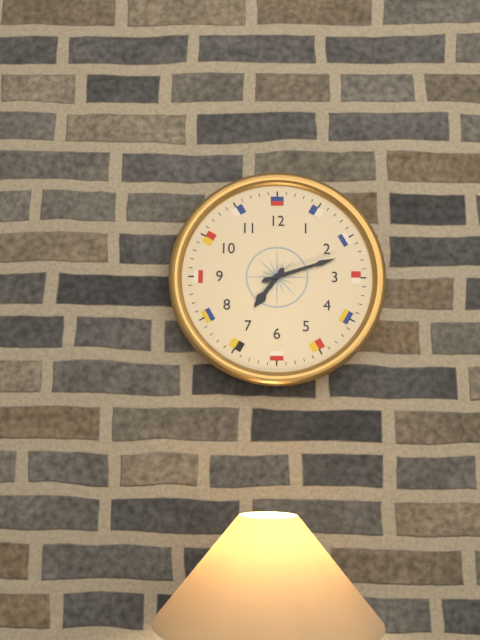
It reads 7,12
